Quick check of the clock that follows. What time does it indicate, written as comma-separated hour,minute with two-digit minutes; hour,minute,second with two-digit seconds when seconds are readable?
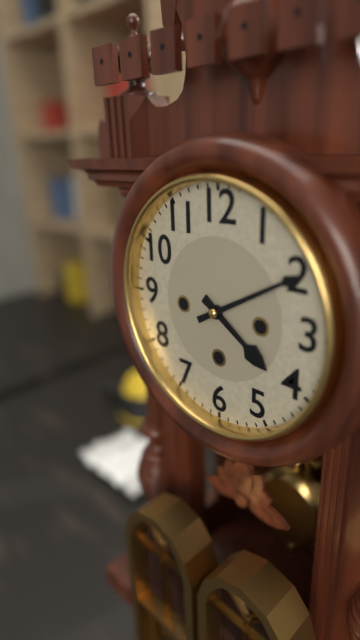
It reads 4,10
